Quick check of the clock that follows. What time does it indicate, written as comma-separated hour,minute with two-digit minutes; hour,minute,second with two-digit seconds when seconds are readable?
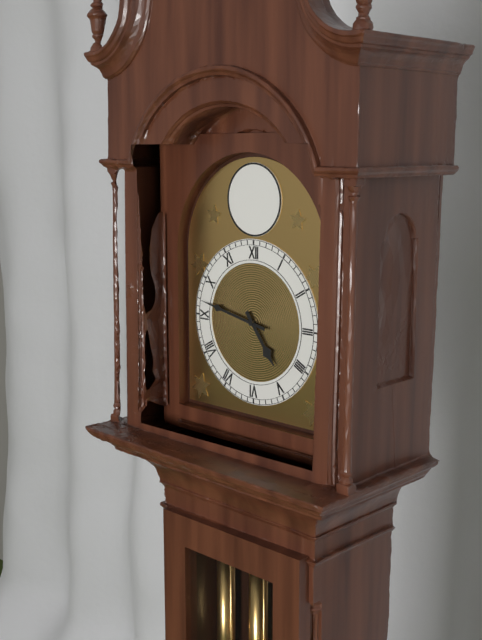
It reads 4,47
